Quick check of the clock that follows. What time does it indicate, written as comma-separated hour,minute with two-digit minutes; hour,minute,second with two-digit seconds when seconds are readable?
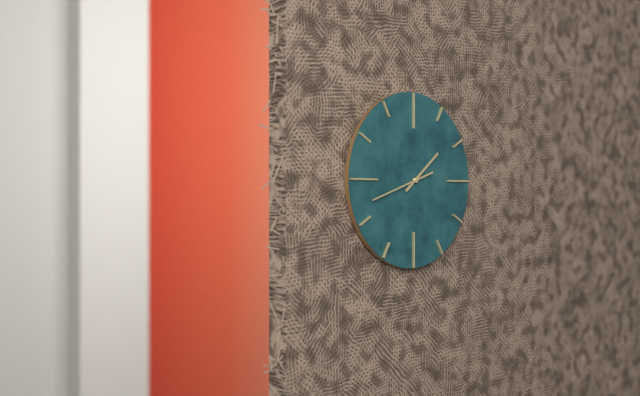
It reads 1,42
